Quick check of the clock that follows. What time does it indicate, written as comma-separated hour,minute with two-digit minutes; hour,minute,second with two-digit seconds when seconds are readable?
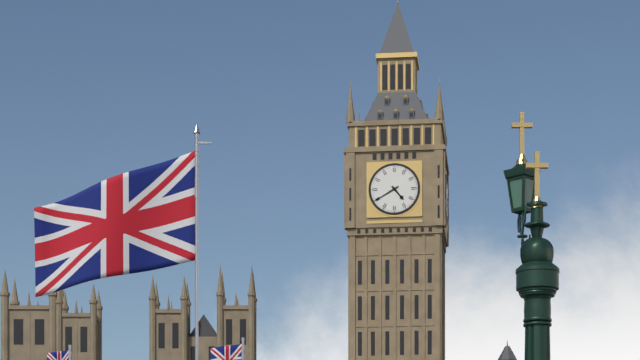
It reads 4,40
